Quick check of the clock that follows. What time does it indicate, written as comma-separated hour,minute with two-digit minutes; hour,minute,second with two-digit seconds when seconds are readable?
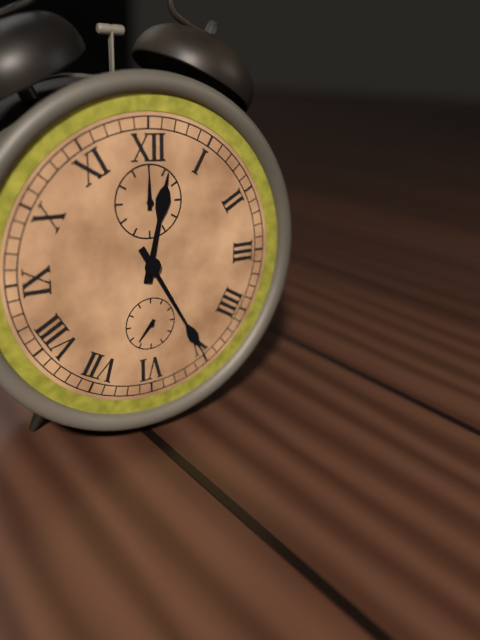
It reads 12,25
